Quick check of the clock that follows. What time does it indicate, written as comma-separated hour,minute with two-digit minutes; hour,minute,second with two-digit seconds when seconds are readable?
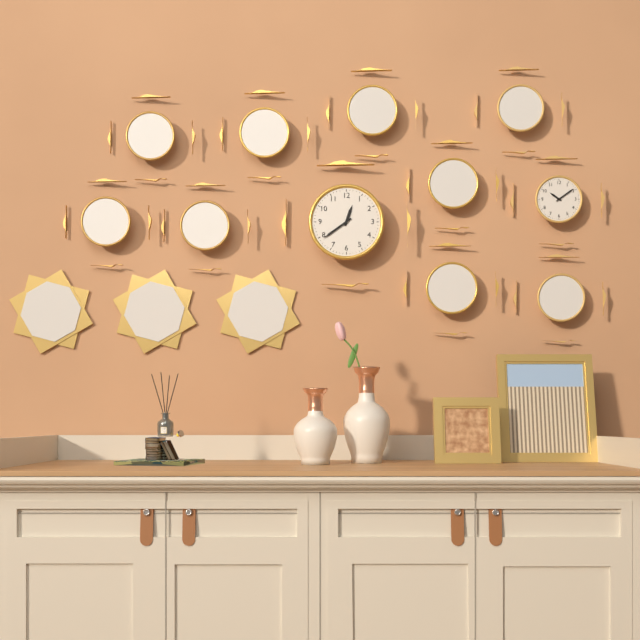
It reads 12,39
